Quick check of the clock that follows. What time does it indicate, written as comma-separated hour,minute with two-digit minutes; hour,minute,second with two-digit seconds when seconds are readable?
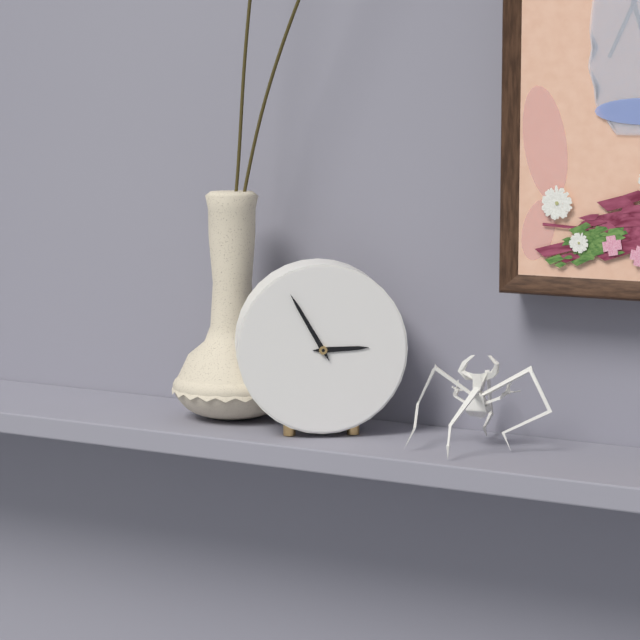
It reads 2,55
